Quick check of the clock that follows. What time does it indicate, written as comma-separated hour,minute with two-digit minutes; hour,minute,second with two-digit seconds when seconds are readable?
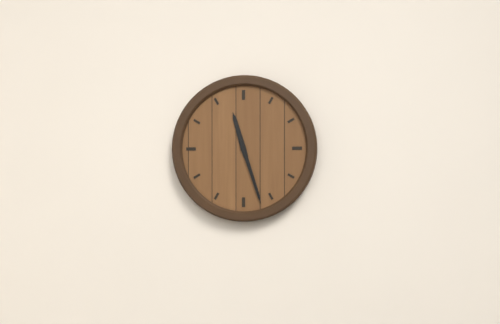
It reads 11,27
